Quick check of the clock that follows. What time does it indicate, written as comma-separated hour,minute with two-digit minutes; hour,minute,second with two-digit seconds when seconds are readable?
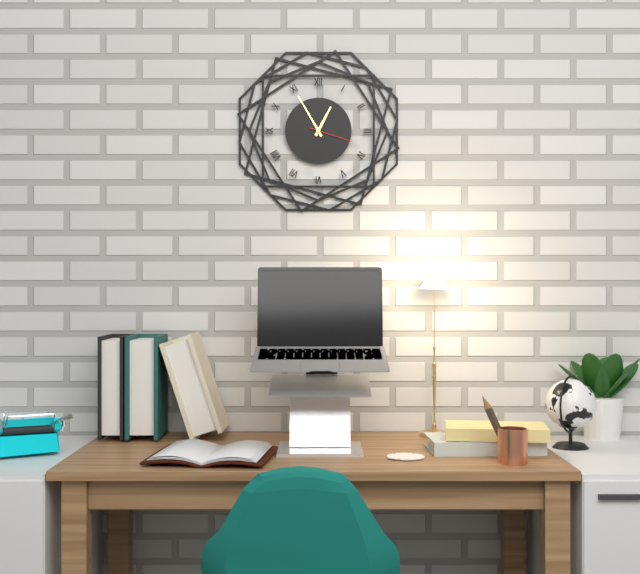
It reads 12,55
